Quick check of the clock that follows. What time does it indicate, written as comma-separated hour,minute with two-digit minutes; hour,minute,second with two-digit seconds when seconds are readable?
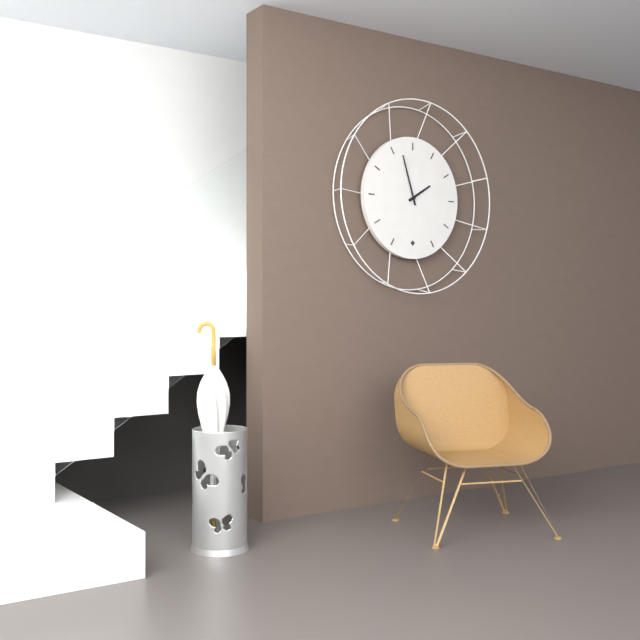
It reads 1,57
